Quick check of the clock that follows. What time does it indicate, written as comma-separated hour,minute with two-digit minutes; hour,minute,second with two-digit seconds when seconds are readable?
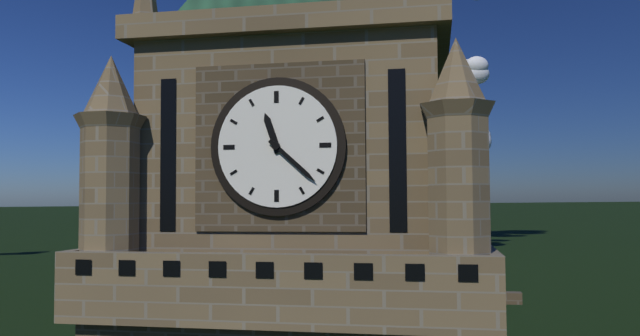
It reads 11,22
